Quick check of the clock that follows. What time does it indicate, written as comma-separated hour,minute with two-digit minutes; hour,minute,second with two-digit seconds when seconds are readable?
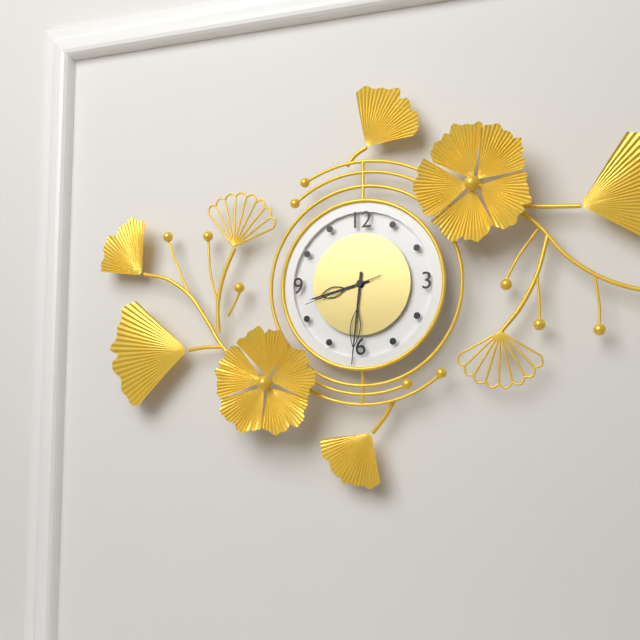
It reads 8,31,42
